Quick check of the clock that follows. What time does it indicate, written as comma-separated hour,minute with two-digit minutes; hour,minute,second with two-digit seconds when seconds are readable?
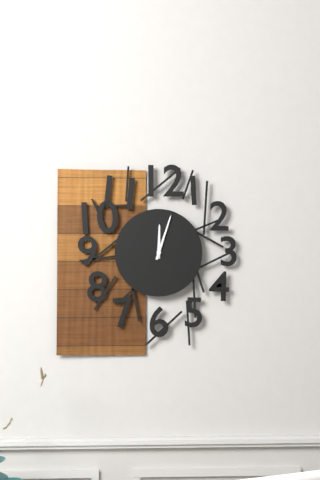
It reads 12,03
